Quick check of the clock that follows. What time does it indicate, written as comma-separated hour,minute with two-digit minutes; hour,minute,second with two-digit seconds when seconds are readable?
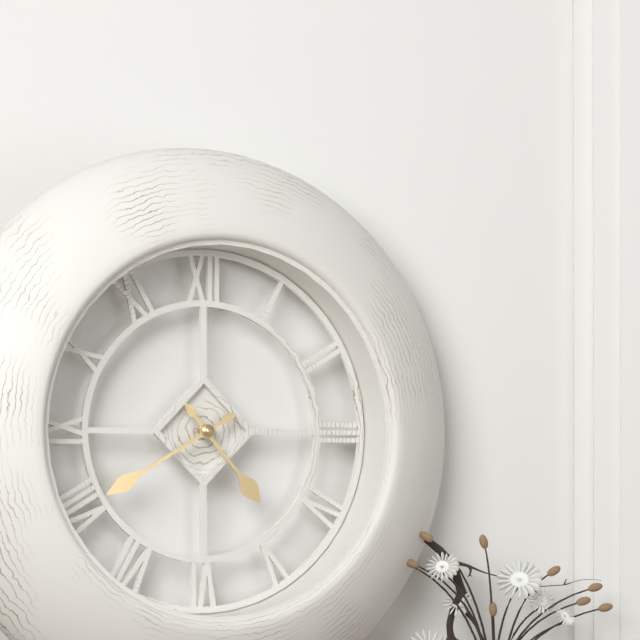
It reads 4,40
